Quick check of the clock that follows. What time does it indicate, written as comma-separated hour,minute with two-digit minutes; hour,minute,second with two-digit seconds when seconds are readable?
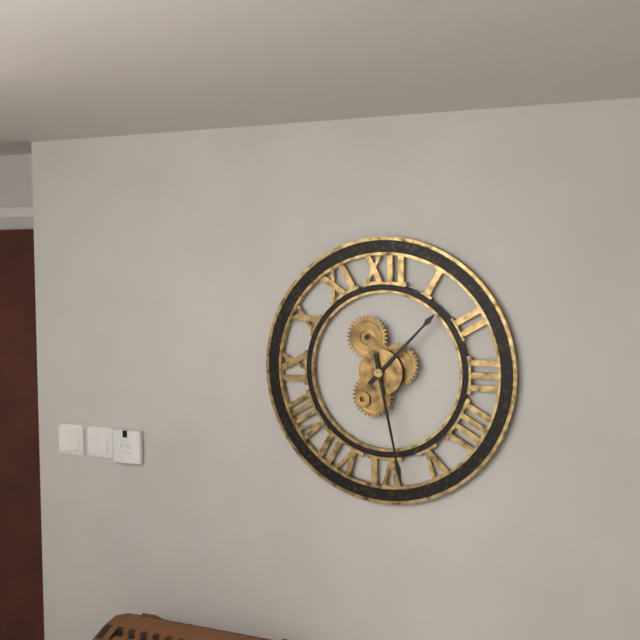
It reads 1,28
